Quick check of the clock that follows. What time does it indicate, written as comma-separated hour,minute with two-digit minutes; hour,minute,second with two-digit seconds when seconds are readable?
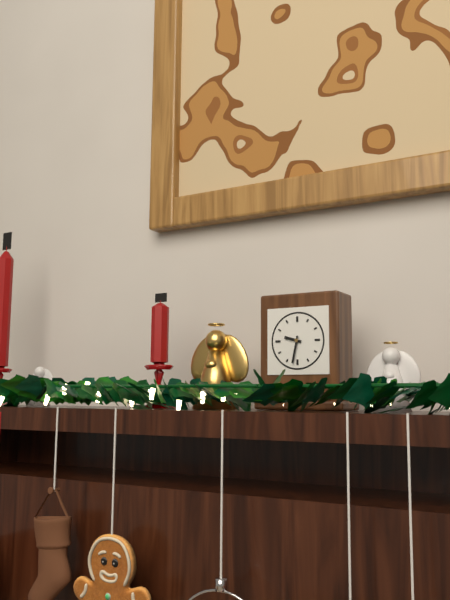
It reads 9,32
